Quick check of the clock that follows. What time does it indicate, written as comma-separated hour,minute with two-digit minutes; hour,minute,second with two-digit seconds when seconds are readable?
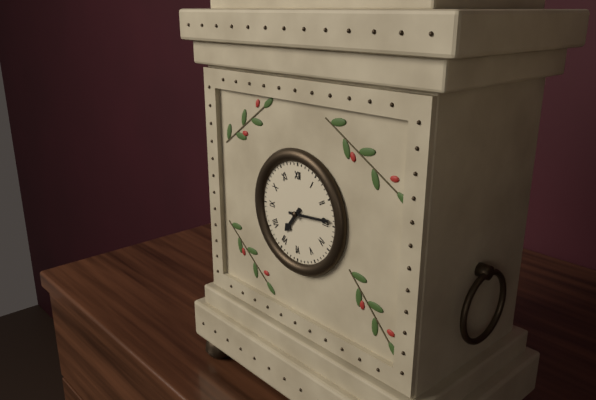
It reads 7,14
